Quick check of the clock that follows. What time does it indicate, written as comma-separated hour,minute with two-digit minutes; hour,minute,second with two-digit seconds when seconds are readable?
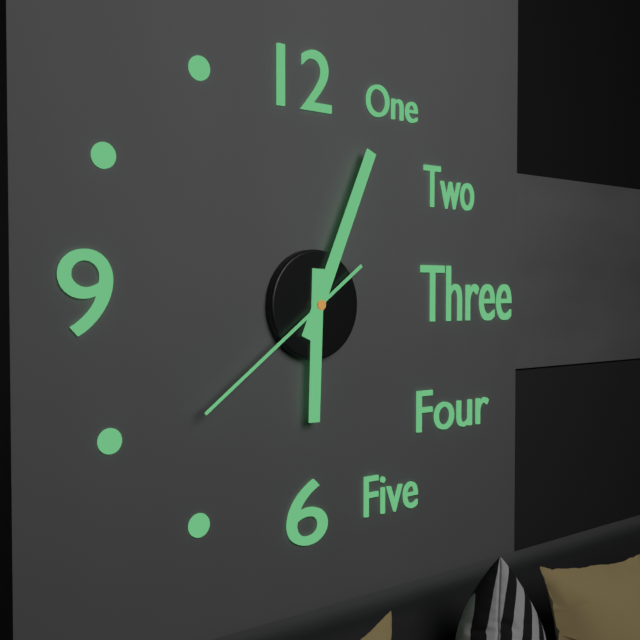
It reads 6,04,39
